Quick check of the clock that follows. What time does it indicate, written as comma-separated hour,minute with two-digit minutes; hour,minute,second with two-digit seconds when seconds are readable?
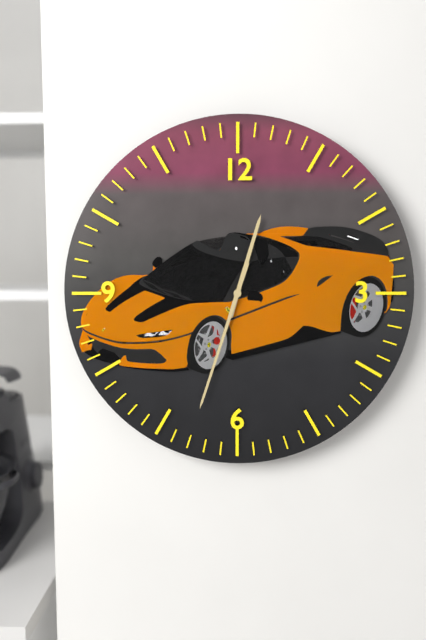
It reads 12,33
